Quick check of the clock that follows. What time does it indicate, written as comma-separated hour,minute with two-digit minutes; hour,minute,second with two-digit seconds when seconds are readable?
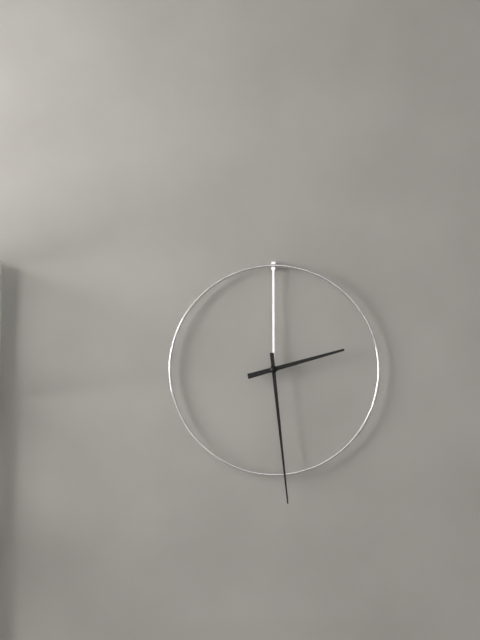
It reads 2,29
